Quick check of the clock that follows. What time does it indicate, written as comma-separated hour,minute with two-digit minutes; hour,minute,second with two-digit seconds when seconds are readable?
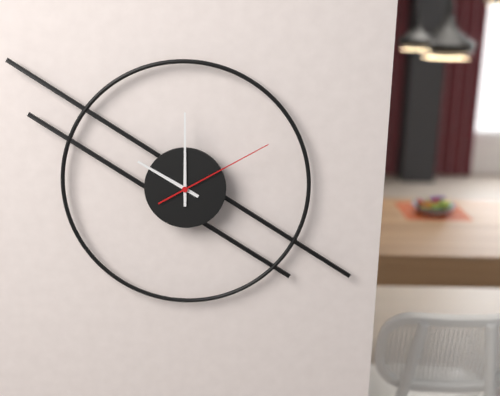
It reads 10,00,10
